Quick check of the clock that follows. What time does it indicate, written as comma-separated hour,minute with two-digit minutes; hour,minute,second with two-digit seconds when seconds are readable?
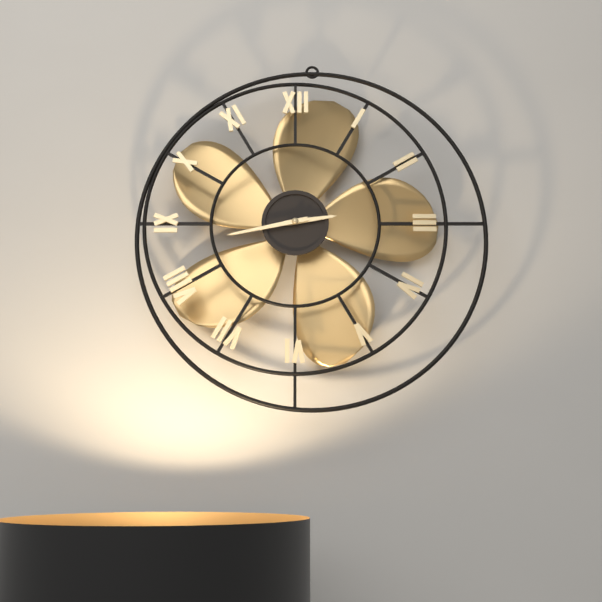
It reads 2,43
